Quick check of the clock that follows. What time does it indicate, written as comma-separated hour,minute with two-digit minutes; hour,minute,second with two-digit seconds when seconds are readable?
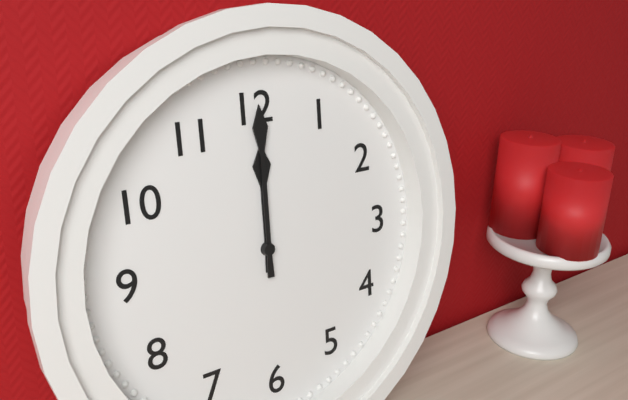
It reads 12,00
